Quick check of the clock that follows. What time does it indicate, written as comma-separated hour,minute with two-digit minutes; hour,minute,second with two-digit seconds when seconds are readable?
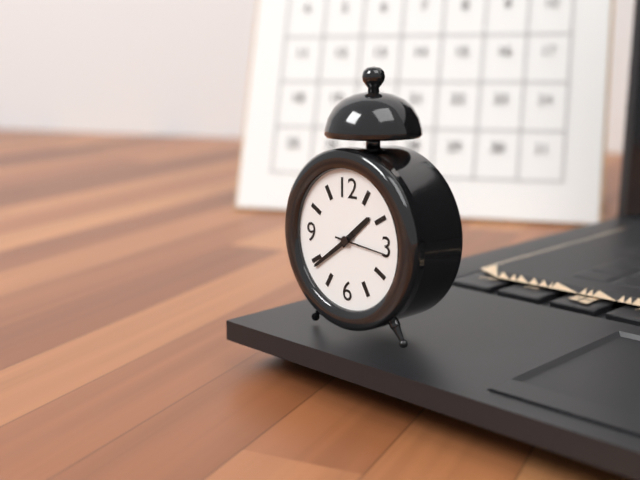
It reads 1,39,16
